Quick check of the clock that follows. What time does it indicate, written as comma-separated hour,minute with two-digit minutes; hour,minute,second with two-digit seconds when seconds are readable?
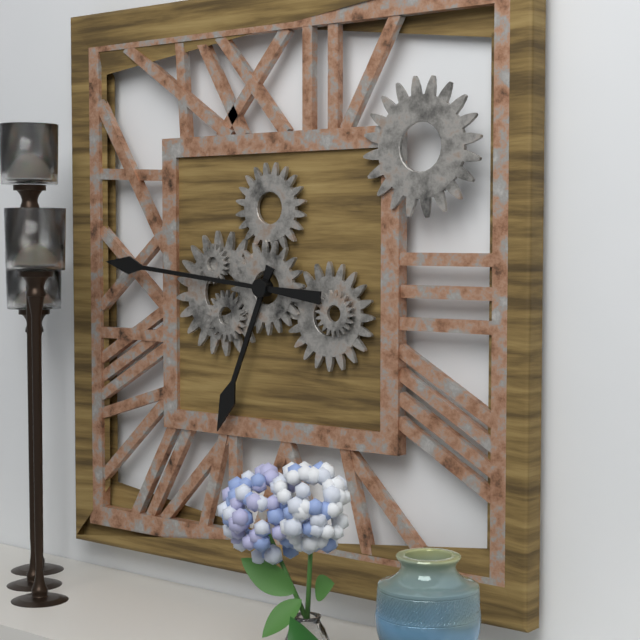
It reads 6,46
